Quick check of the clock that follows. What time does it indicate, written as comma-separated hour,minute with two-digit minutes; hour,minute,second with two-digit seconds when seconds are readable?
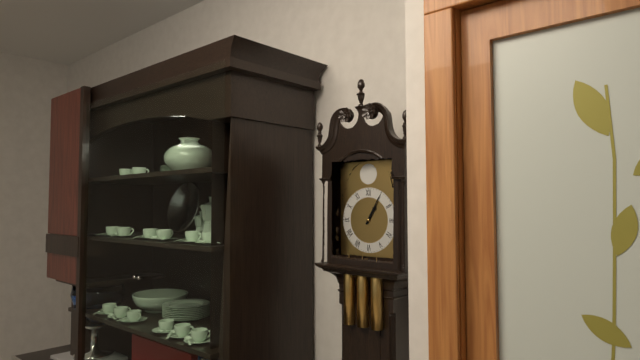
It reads 1,05
